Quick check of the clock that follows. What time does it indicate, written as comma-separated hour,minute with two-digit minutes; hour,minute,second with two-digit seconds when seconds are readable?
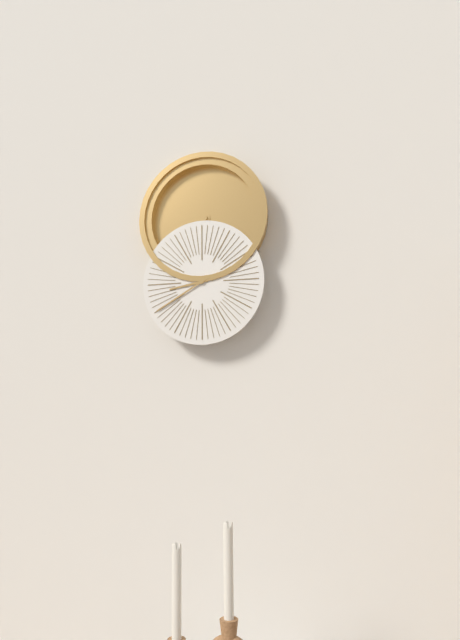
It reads 8,40
